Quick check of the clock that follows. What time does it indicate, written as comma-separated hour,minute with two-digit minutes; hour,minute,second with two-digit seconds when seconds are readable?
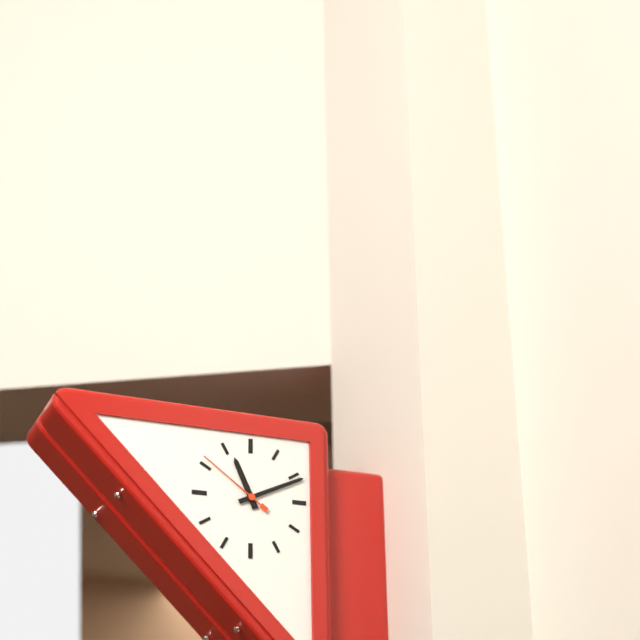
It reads 11,11,51
